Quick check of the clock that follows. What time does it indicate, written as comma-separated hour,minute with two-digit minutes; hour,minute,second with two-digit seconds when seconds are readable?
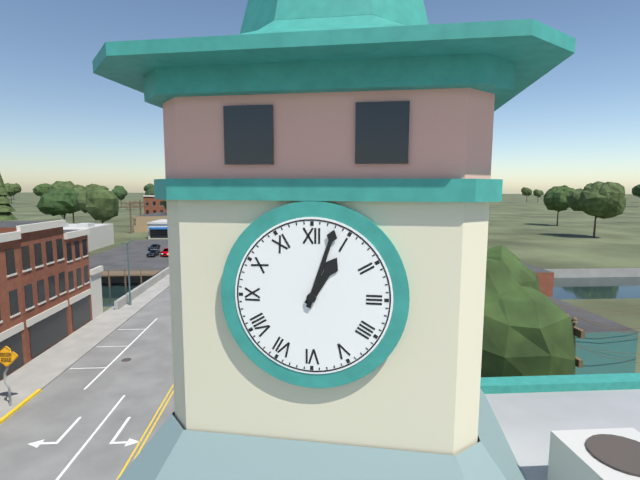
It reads 1,03
